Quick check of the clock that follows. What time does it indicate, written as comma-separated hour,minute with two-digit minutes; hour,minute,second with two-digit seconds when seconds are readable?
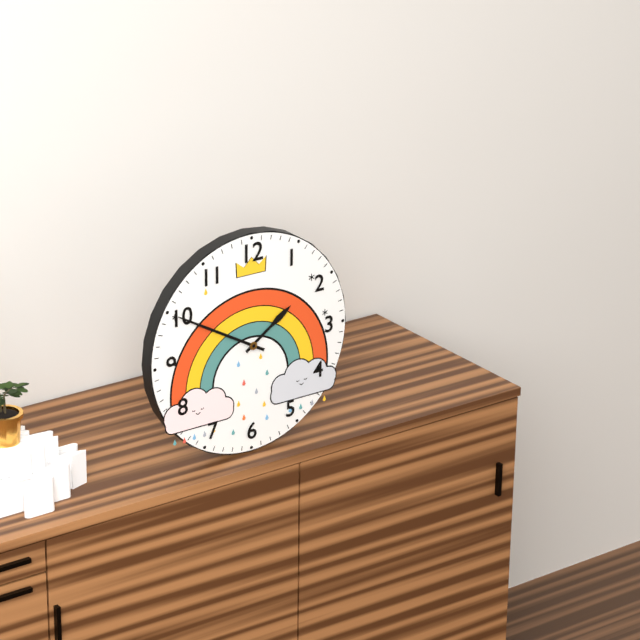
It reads 1,50
